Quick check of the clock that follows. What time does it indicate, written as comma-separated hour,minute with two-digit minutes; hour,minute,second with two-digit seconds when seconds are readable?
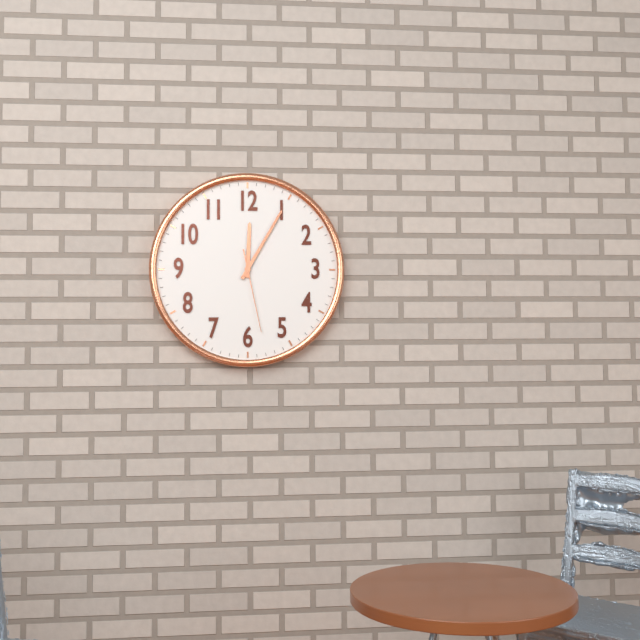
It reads 12,05,28
